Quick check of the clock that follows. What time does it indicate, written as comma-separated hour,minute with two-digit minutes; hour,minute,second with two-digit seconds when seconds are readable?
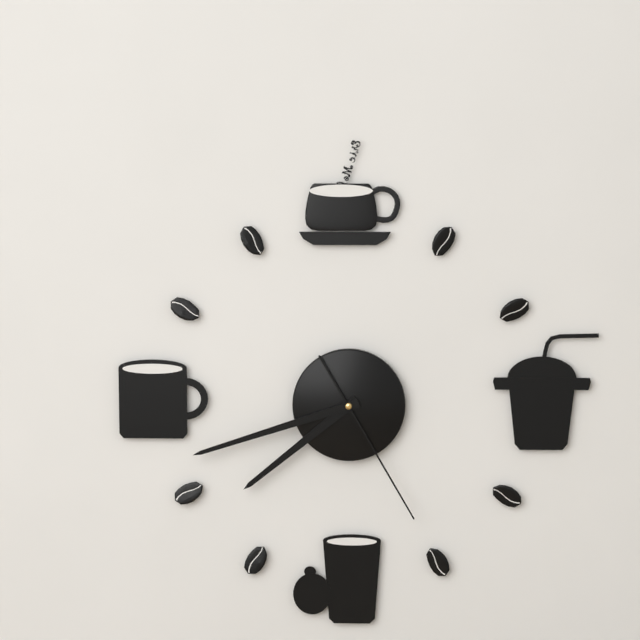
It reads 7,42,25
